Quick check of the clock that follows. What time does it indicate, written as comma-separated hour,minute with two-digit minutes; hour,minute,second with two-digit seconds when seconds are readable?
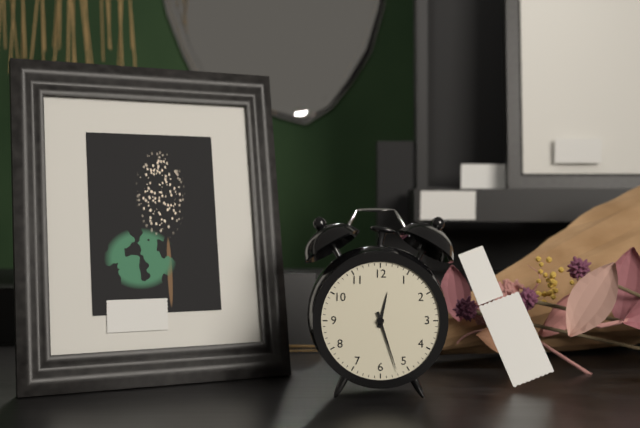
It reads 12,27
